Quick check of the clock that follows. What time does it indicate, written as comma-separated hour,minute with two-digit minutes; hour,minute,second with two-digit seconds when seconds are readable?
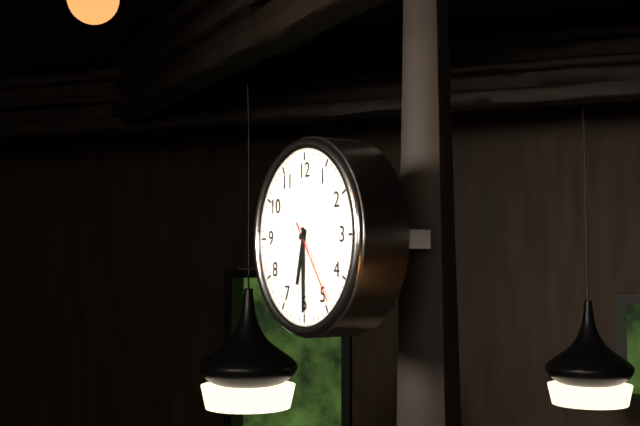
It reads 6,30,24
